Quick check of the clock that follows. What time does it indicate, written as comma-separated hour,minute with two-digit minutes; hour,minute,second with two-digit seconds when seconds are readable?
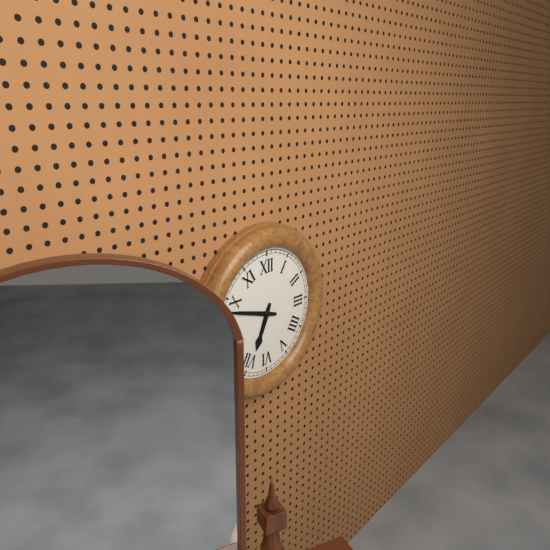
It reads 6,48
